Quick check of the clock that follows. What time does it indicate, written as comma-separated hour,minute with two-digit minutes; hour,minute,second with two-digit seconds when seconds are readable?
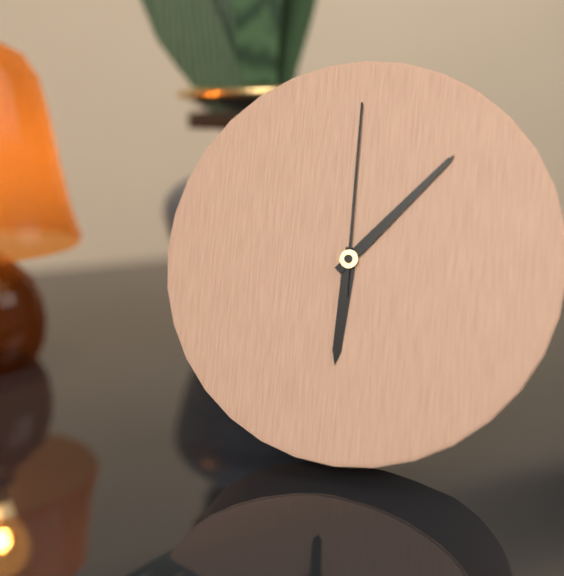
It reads 6,07,00
